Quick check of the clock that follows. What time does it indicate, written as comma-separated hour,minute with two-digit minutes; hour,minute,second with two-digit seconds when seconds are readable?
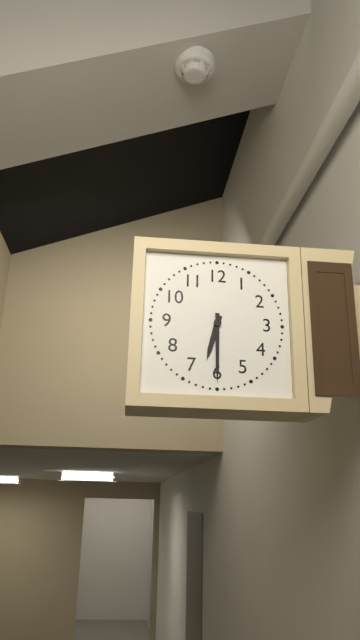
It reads 6,30
